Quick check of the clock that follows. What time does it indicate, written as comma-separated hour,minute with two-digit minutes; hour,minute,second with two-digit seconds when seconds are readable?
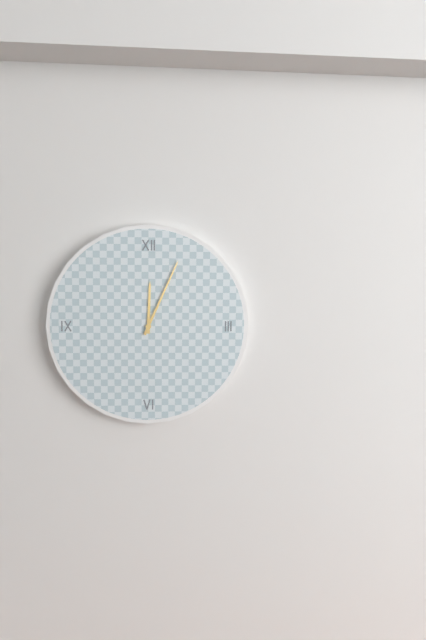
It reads 12,04
